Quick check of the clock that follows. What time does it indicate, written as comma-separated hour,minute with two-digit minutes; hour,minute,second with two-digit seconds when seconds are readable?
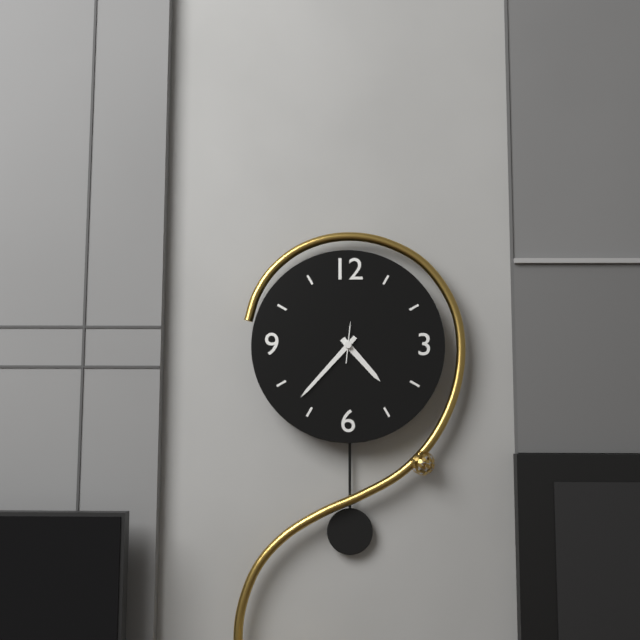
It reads 4,37
